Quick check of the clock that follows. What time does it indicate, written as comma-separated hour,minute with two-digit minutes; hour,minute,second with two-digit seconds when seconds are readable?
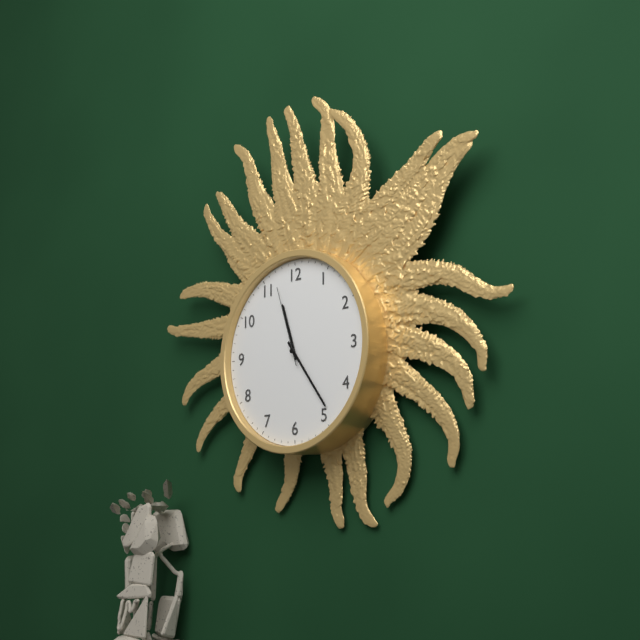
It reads 11,24,57
